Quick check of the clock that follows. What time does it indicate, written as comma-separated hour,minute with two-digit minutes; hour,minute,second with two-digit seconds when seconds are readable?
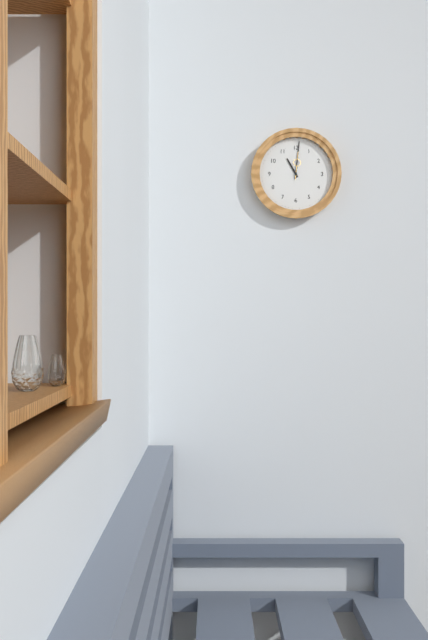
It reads 11,01
